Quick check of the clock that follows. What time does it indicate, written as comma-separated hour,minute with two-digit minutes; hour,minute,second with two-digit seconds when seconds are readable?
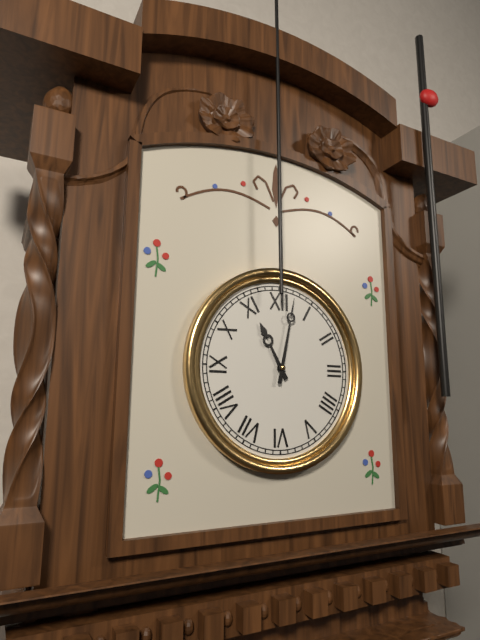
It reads 11,02
